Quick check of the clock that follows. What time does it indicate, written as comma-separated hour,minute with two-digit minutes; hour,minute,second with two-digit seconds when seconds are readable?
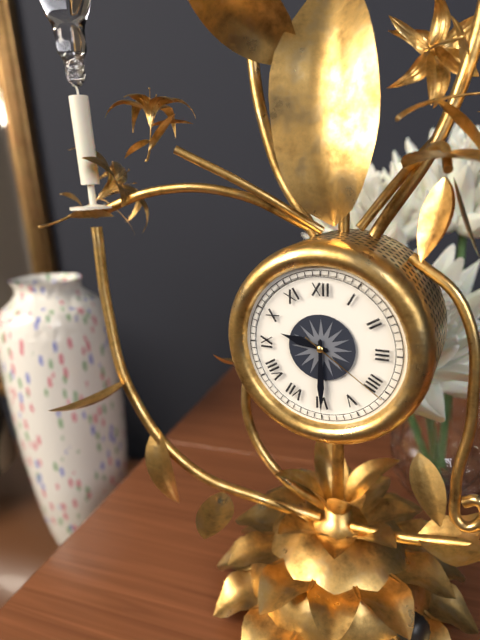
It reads 9,30,21
